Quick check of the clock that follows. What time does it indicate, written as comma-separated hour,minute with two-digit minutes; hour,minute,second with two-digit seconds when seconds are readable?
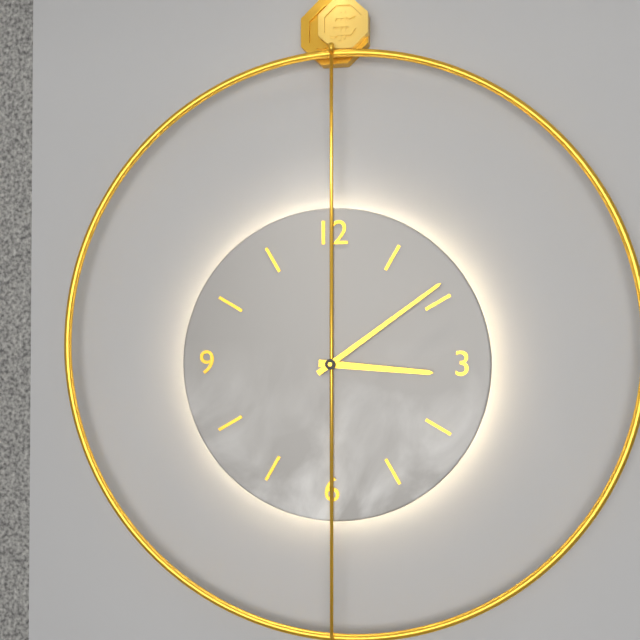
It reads 3,09
